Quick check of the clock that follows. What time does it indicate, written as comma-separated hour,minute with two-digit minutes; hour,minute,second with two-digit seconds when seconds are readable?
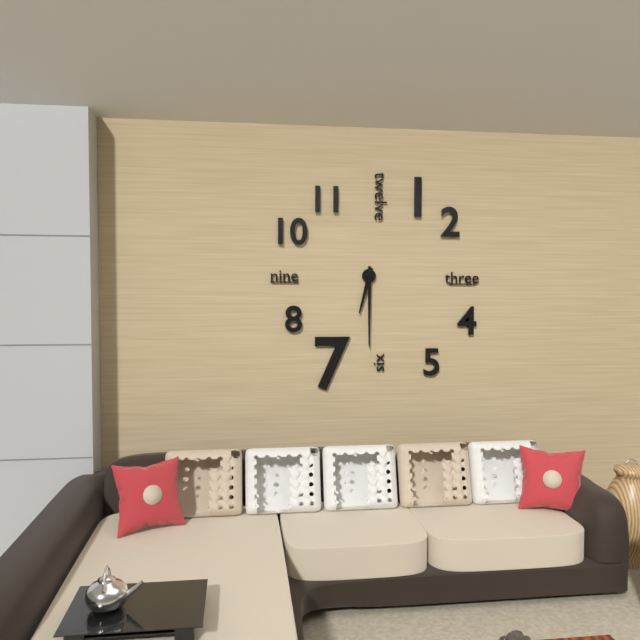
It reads 6,30
